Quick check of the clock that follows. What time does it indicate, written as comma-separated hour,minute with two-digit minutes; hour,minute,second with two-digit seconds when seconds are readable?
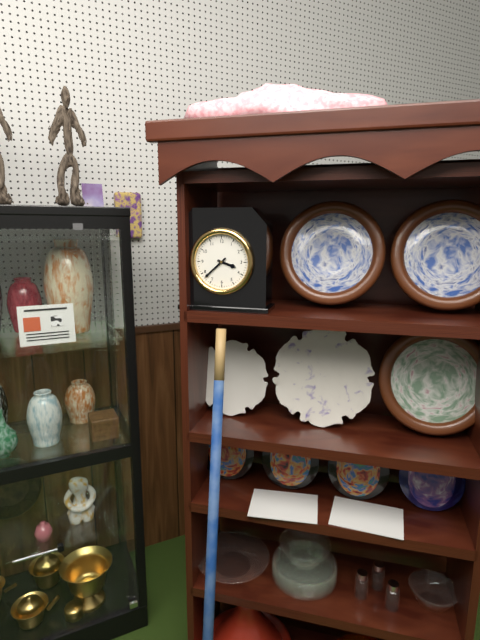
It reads 3,38
